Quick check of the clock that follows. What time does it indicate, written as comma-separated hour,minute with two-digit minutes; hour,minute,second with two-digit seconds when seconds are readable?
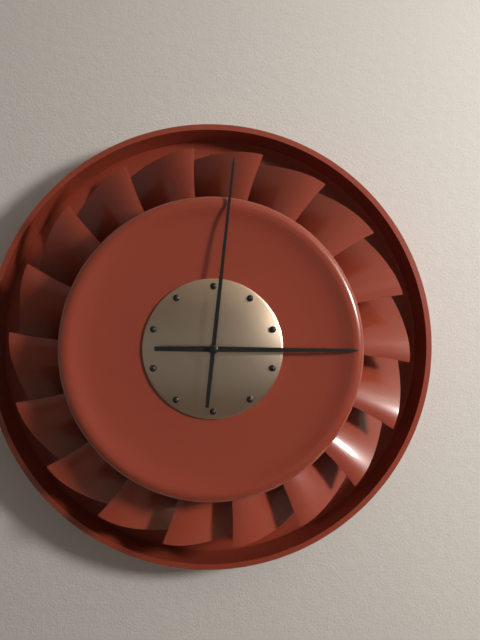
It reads 3,01
